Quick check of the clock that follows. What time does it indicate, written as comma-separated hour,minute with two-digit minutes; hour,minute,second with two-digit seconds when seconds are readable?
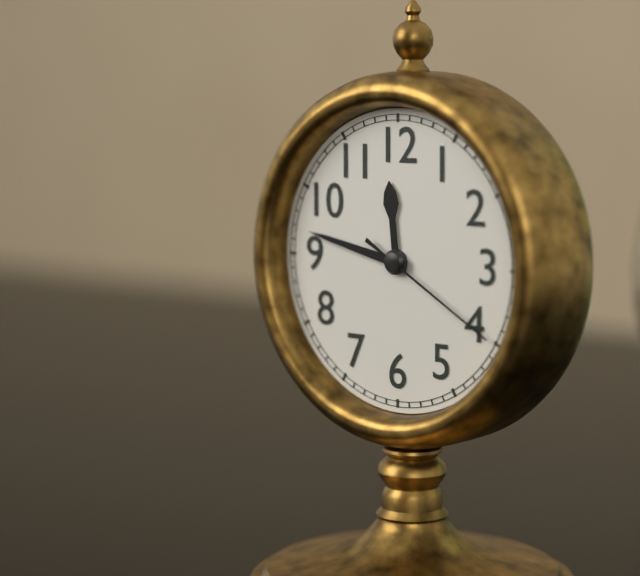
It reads 11,47,20
